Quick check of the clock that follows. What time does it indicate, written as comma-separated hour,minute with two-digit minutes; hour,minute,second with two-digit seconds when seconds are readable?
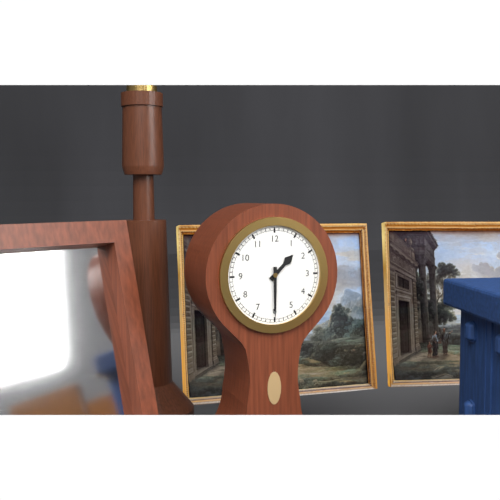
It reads 1,30
